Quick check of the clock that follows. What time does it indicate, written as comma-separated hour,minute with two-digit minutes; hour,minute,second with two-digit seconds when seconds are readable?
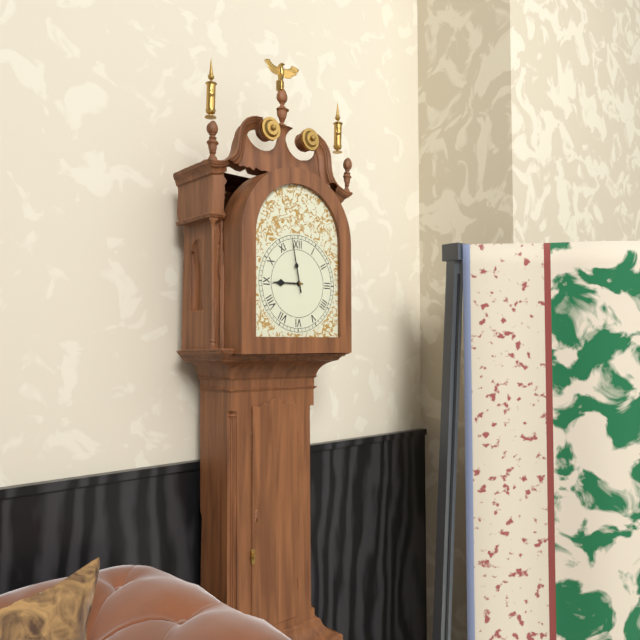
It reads 8,58
